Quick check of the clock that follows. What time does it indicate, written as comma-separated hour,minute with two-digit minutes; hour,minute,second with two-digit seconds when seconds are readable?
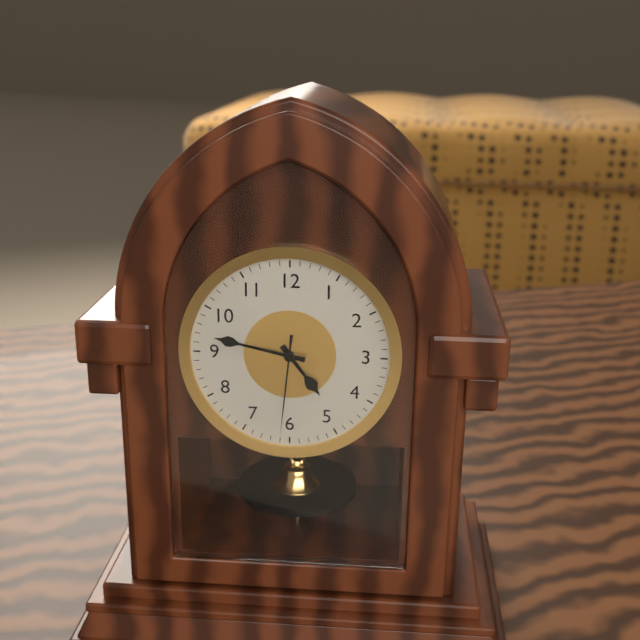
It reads 4,47,31
